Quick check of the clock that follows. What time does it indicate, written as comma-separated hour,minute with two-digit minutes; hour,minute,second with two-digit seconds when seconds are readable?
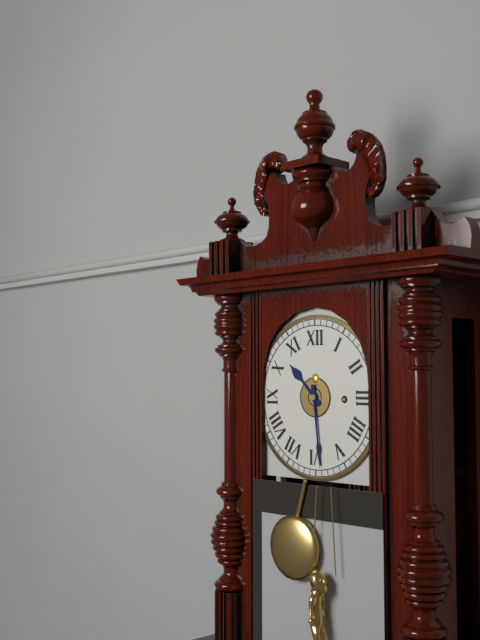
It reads 10,29
